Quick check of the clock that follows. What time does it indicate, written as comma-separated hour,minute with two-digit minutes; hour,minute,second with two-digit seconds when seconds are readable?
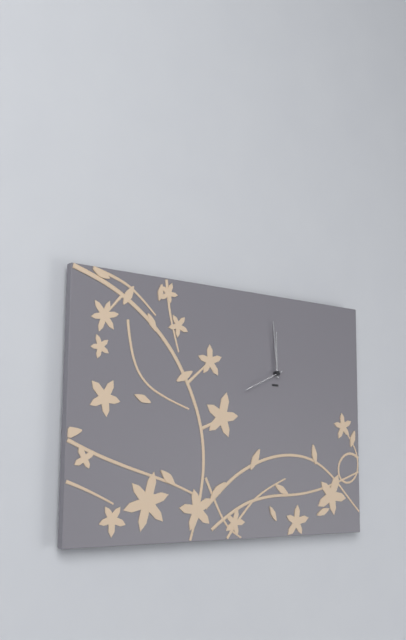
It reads 11,59
